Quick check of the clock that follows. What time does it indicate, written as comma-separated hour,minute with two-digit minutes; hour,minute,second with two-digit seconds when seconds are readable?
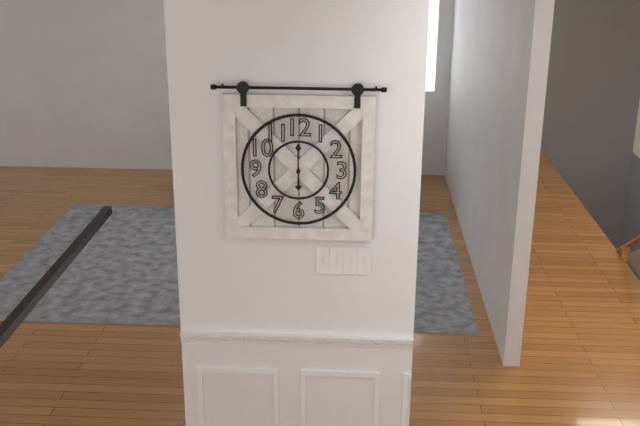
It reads 6,00
